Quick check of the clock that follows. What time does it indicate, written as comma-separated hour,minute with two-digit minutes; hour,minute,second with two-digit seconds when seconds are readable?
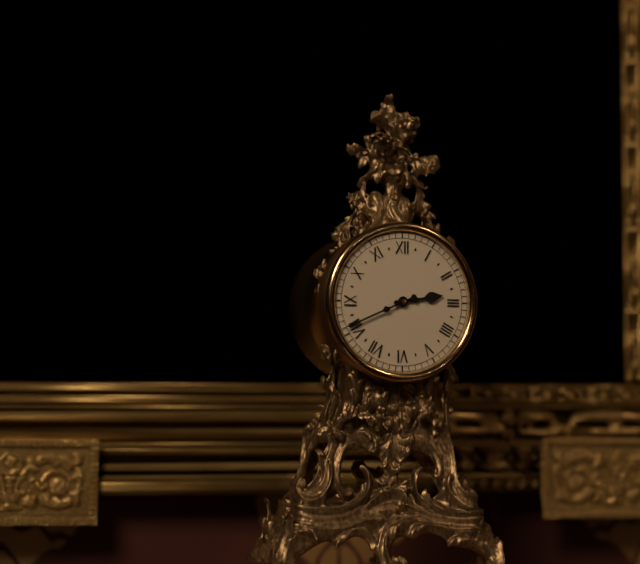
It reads 2,41
